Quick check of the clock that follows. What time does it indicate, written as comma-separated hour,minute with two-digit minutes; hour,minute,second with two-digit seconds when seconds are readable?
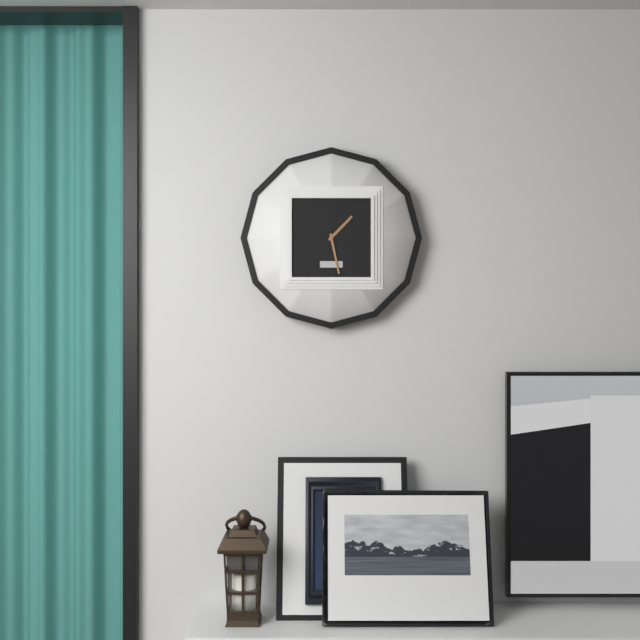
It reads 1,28
